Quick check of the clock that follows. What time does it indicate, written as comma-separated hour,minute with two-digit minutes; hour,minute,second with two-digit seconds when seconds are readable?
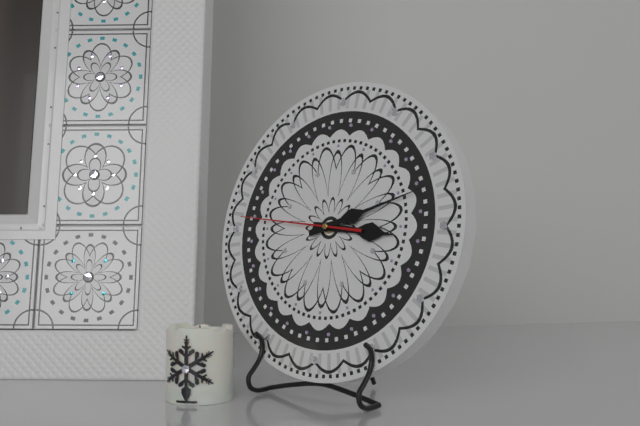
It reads 3,12,46
